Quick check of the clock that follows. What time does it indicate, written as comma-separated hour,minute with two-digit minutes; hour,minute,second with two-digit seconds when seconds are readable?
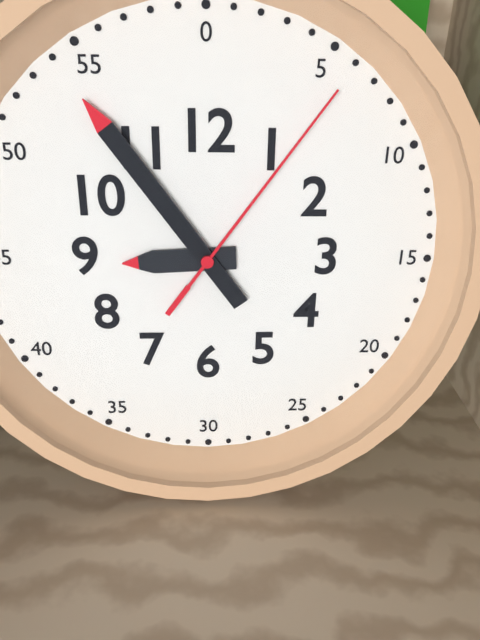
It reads 8,54,06
